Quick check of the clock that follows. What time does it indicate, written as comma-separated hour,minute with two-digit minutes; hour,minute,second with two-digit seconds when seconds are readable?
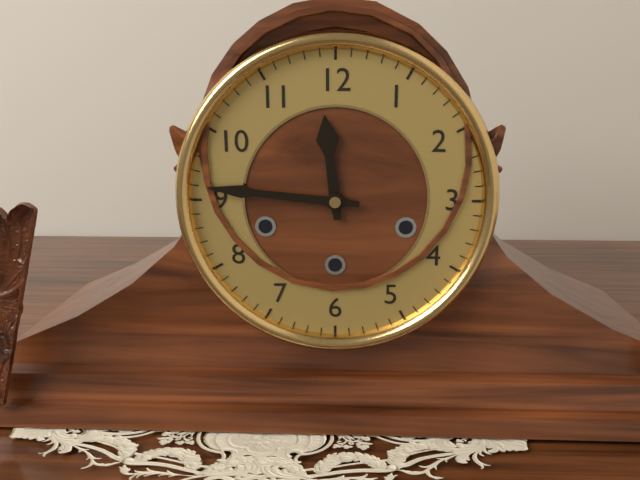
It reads 11,46
